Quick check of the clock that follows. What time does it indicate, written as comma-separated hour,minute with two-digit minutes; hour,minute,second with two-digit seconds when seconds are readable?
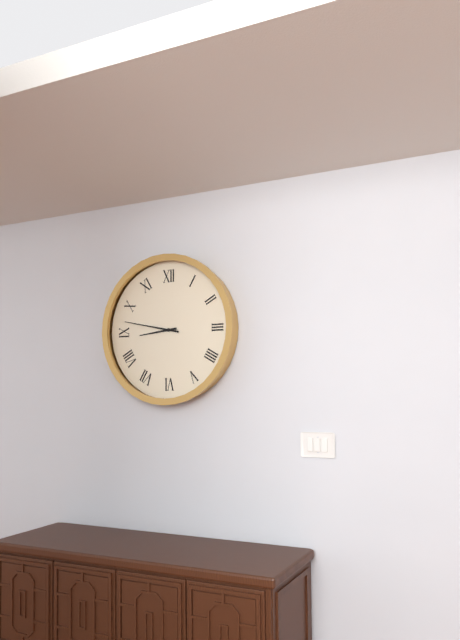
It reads 8,47
